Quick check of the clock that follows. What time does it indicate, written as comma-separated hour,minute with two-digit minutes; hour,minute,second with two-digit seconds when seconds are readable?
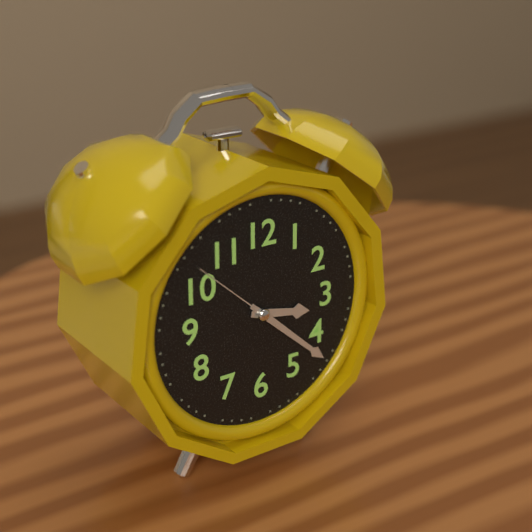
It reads 3,22,52
